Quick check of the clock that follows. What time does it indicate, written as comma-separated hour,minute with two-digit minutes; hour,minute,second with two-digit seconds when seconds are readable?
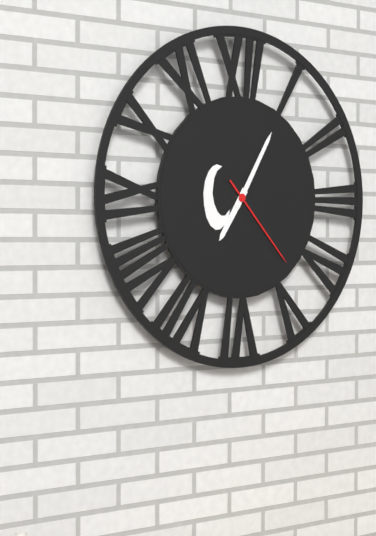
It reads 7,05,23
